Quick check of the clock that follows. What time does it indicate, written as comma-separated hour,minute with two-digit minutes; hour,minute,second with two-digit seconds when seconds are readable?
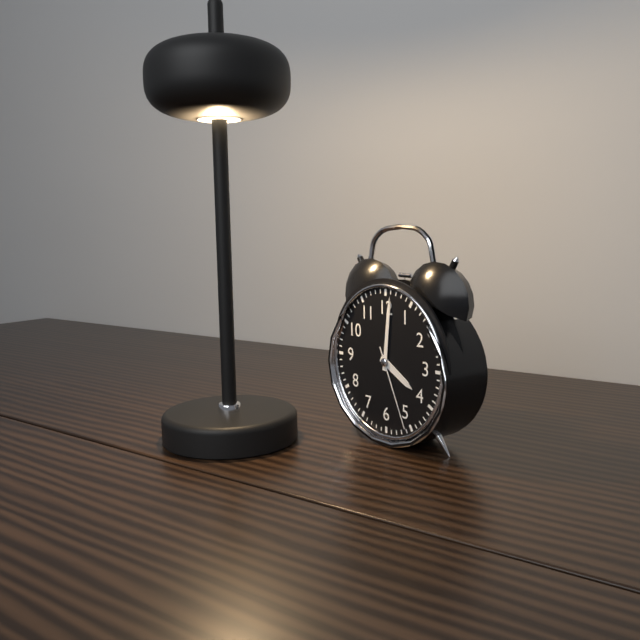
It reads 4,01,26
